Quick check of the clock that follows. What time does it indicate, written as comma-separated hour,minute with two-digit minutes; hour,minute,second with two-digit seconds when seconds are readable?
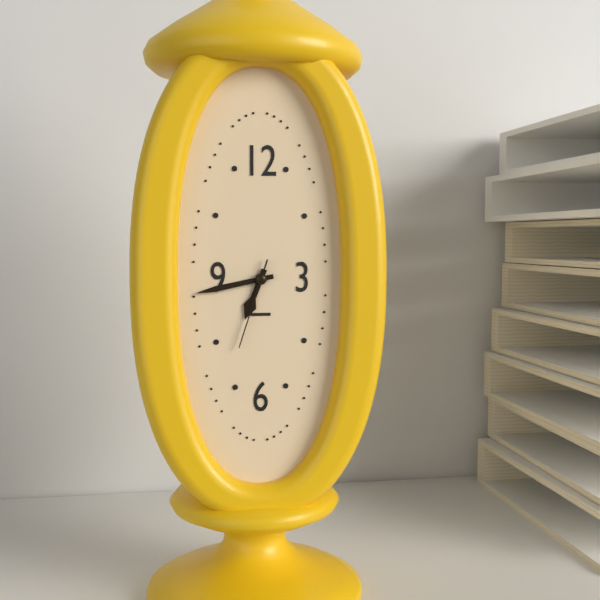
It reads 6,43,33
